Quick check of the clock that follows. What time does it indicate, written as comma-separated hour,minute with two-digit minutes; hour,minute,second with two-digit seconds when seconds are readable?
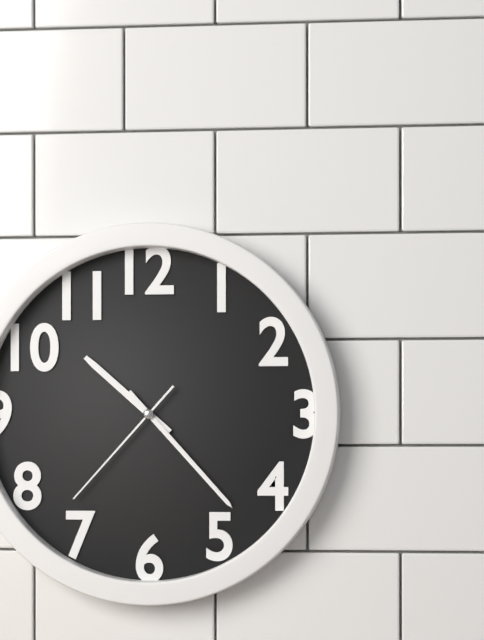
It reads 10,23,37
